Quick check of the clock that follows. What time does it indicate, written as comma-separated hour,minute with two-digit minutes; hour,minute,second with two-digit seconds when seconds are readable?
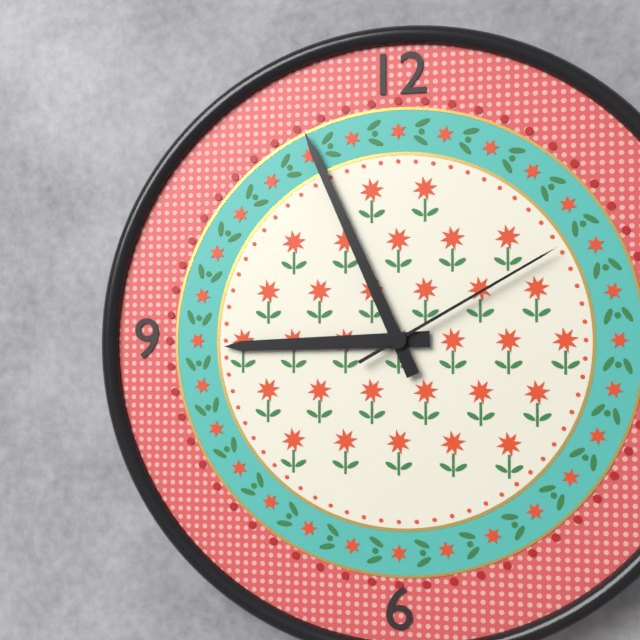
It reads 8,56,10
